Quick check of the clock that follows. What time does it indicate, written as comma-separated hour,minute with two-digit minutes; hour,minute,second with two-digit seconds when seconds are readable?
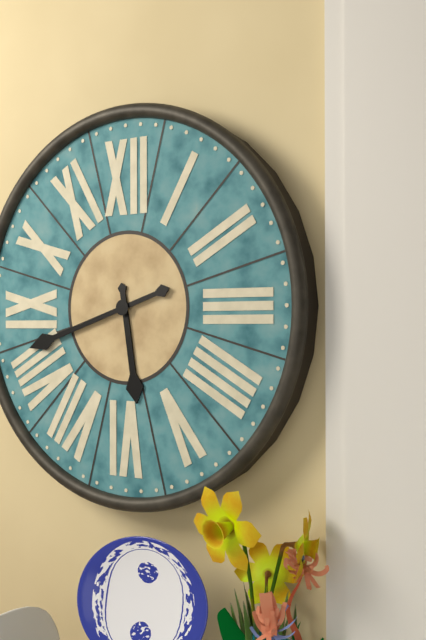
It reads 5,42
